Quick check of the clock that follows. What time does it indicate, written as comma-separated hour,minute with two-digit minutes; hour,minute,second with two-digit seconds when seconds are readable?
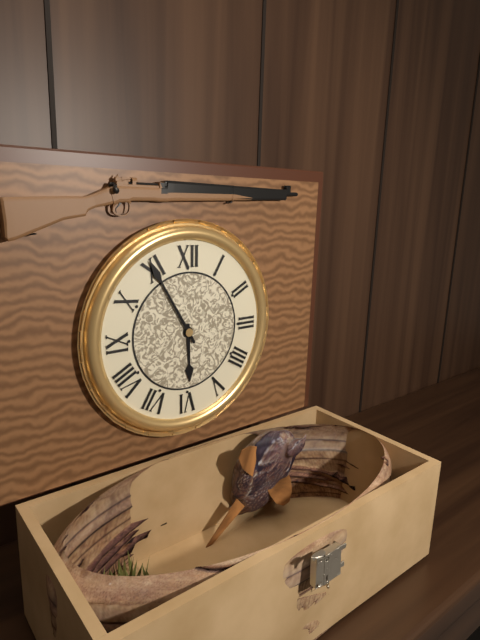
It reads 5,55
